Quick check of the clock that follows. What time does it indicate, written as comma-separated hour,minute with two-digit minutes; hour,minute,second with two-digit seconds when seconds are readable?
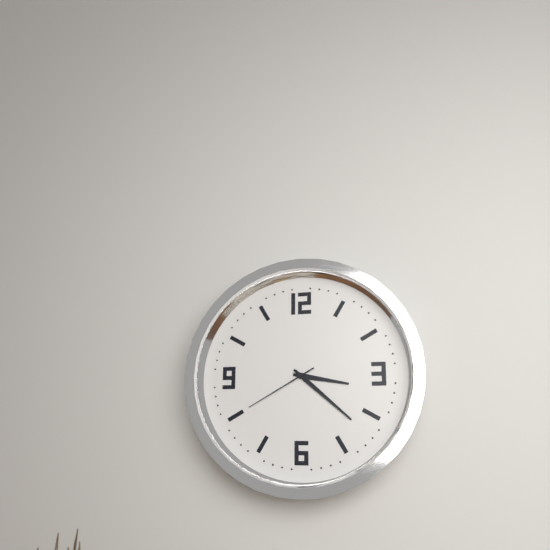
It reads 3,22,40
